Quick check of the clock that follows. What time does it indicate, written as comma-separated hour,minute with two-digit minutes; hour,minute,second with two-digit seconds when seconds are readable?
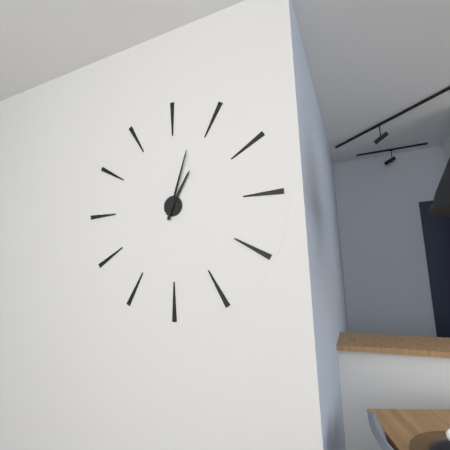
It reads 1,03
